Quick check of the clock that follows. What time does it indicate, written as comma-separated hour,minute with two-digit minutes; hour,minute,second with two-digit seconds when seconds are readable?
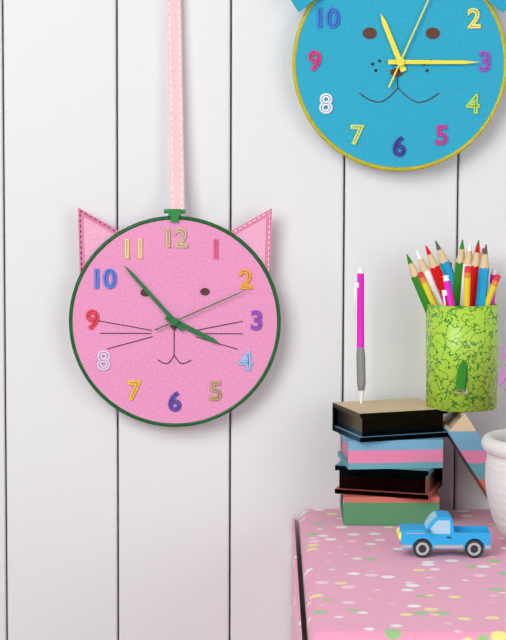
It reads 3,53,11
